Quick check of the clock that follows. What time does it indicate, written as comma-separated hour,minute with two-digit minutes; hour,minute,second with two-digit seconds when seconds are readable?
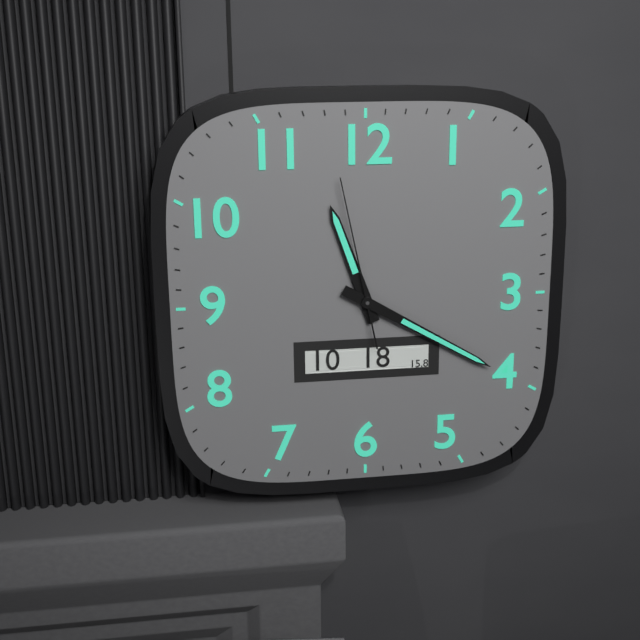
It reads 11,20,58
